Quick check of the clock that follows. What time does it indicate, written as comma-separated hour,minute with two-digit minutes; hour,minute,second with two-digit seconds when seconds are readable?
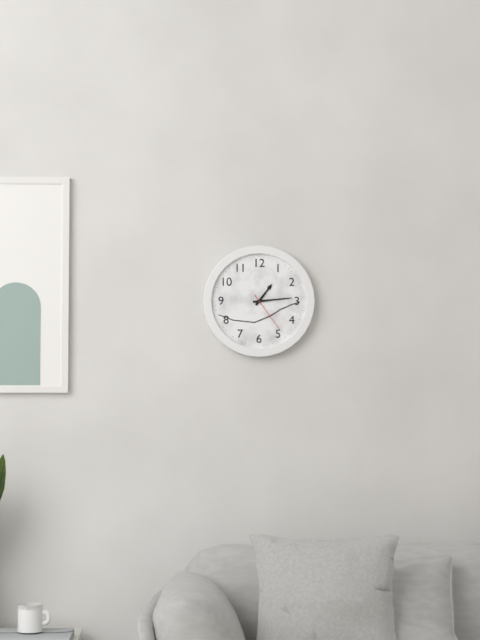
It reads 1,14
